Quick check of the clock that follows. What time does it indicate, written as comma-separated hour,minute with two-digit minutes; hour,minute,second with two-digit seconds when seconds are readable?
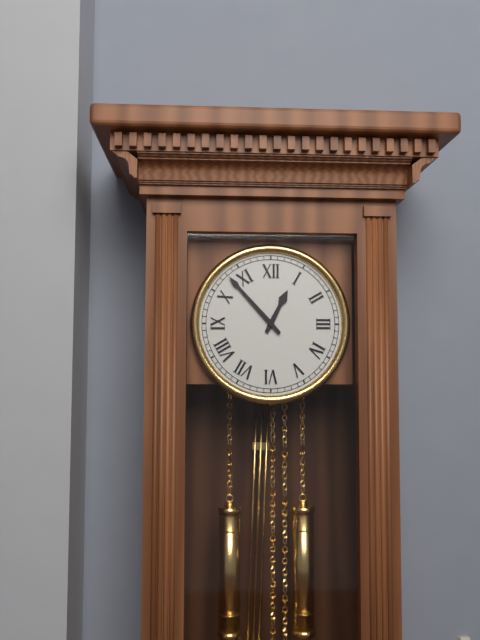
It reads 12,53
